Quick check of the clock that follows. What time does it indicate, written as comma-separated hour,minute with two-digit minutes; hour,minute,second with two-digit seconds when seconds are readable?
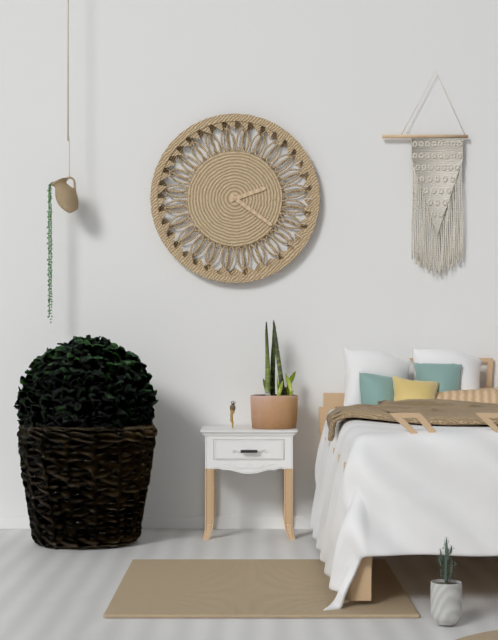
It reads 2,21
